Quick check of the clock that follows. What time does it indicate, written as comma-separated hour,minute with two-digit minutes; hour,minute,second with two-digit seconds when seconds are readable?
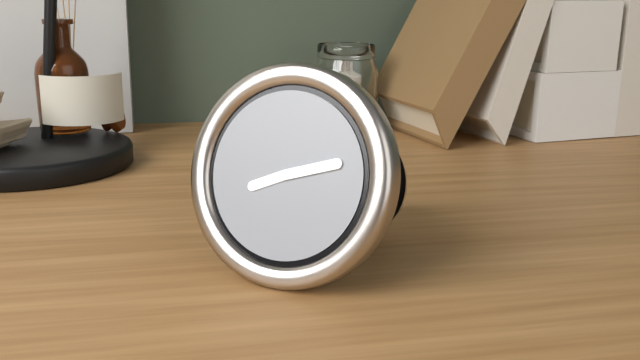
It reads 8,12
